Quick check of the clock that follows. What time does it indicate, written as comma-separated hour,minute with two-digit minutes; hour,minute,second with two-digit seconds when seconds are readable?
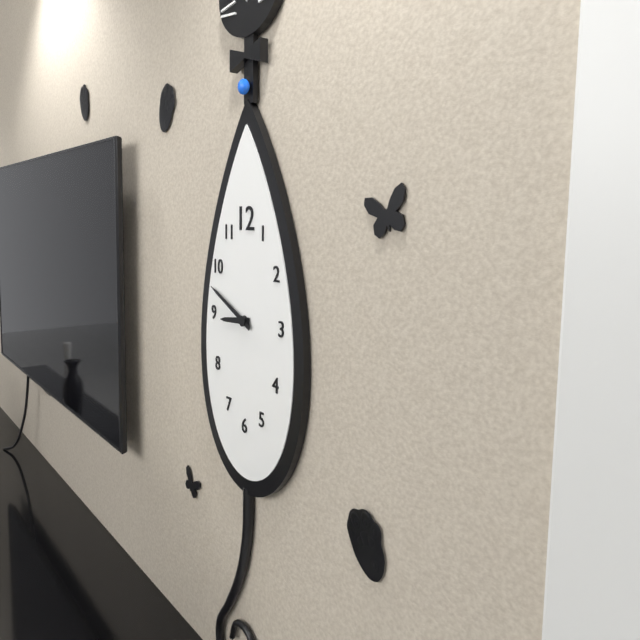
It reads 8,49
